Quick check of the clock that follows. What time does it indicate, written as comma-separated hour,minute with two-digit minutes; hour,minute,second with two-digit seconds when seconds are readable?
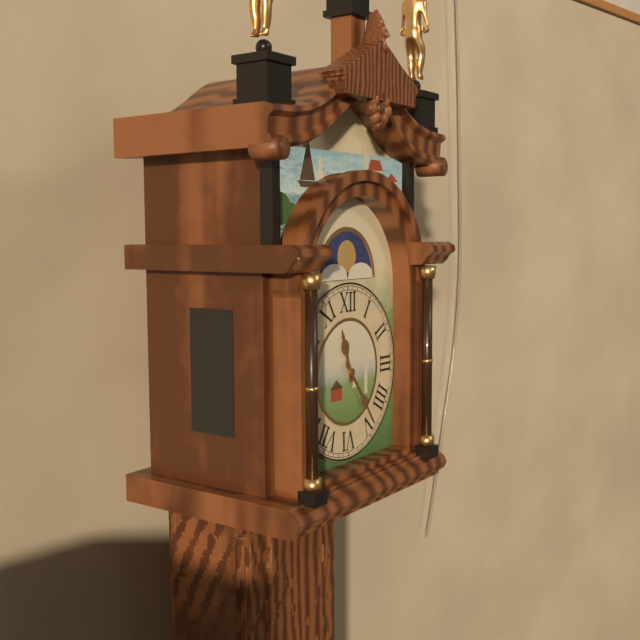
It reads 11,24
